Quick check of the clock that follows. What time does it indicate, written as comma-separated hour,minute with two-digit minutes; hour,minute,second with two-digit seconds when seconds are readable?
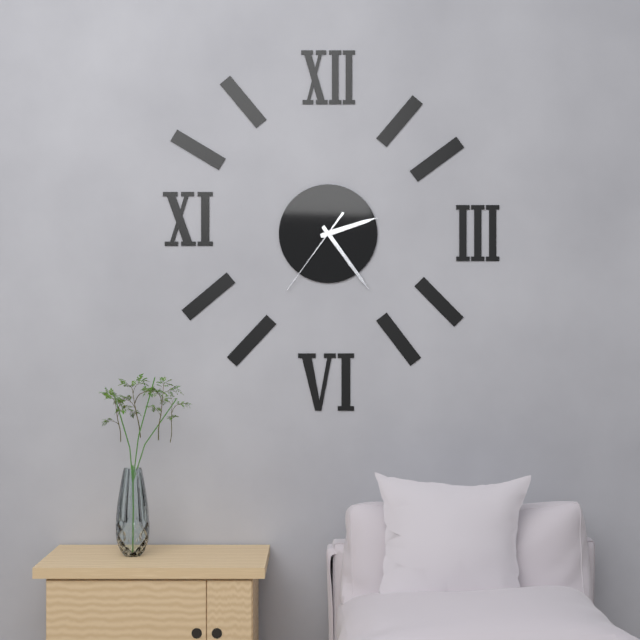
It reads 2,24,36
